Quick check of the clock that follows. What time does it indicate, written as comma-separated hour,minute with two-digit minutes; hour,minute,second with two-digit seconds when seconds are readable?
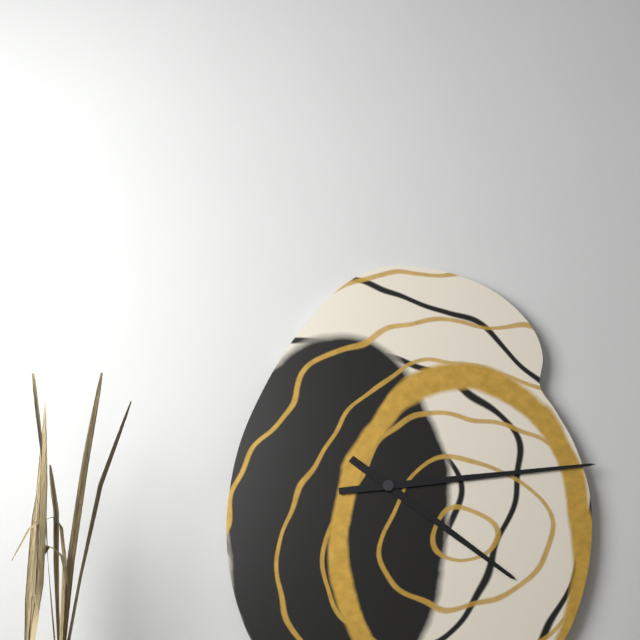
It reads 4,14
